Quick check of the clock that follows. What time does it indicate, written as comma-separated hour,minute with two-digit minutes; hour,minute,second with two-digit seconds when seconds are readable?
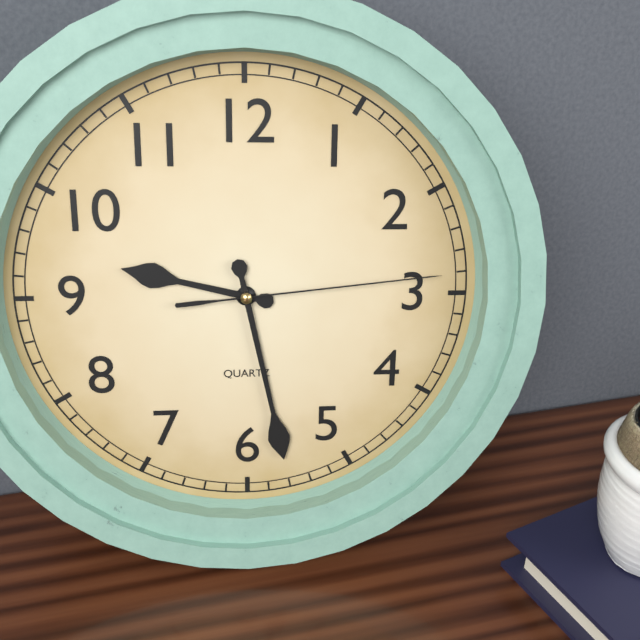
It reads 9,28,14
